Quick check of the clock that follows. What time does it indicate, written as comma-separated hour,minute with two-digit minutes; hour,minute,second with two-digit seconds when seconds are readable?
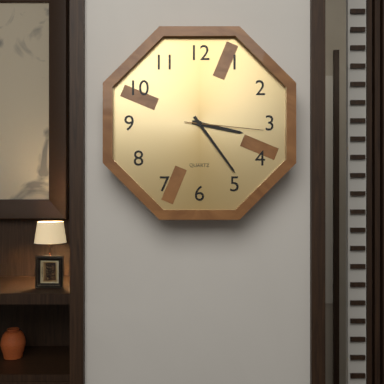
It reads 3,24,16
